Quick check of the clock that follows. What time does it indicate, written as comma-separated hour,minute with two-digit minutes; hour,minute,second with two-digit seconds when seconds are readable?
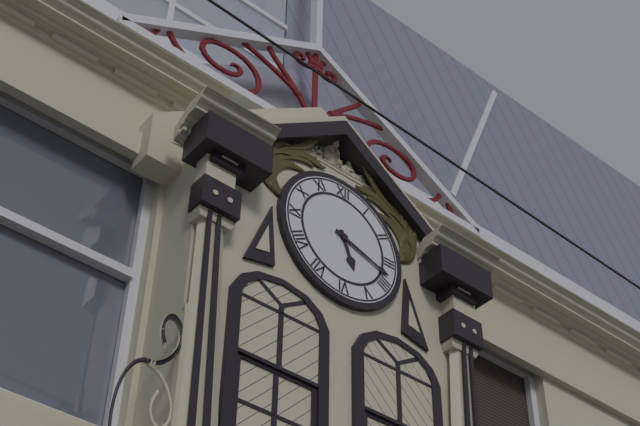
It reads 5,18
